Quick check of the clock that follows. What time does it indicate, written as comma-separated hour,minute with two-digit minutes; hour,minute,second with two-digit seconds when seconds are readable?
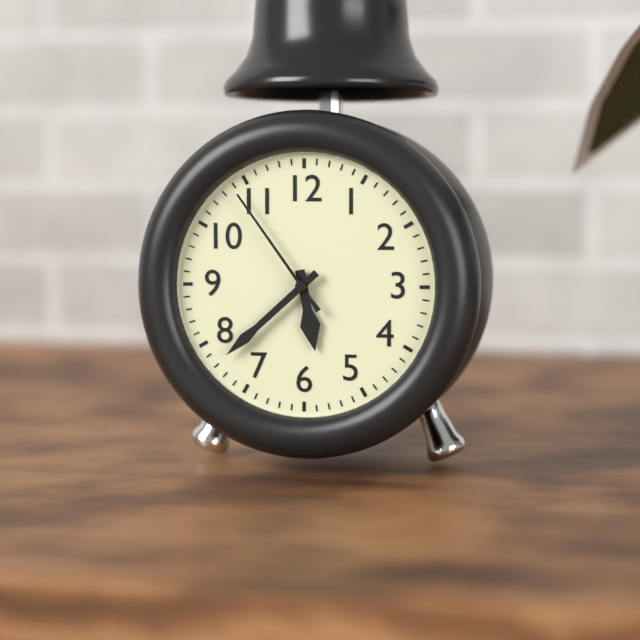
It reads 5,38,54
